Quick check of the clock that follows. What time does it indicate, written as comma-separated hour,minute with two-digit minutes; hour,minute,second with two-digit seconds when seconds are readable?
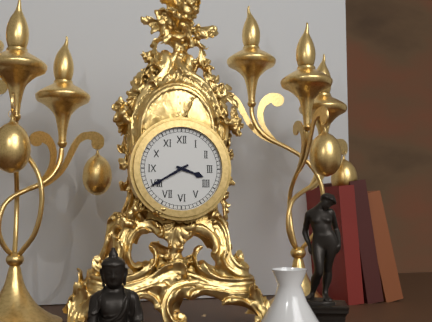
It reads 3,40
